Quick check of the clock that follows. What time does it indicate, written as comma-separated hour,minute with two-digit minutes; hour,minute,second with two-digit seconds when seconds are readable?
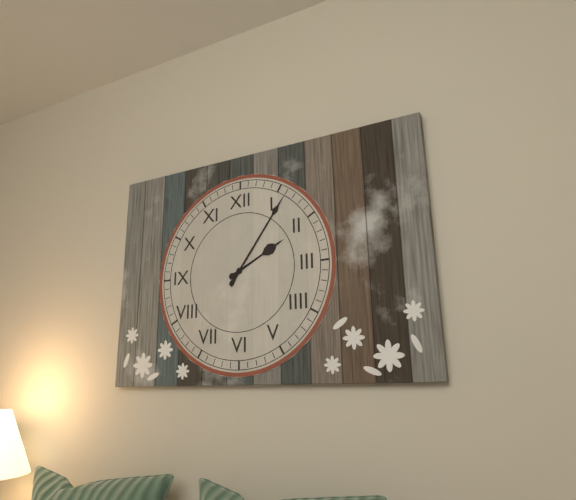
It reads 2,06
